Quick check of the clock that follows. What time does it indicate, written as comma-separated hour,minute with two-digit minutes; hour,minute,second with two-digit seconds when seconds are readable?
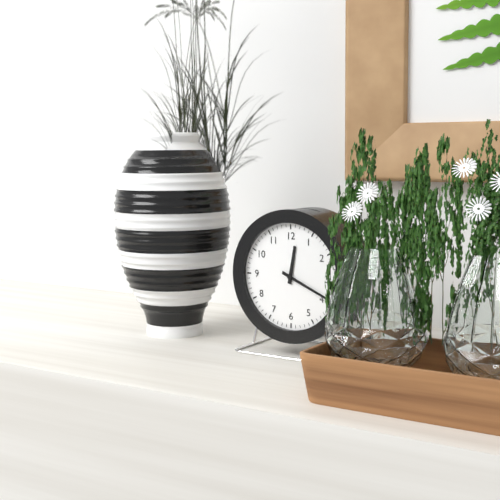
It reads 12,19
